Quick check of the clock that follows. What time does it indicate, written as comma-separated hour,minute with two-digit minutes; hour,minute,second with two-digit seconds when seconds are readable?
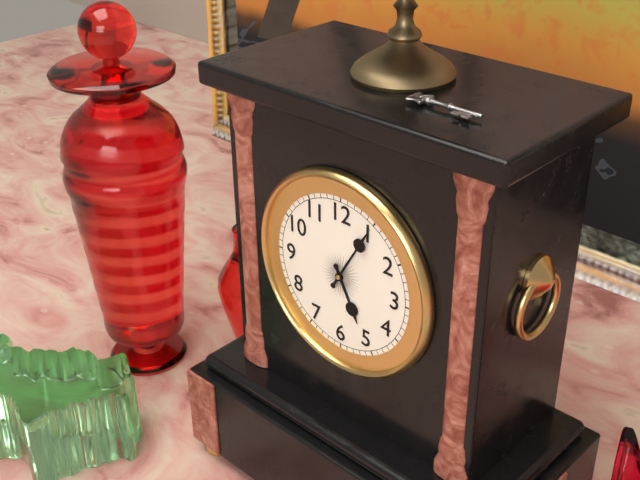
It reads 5,05
